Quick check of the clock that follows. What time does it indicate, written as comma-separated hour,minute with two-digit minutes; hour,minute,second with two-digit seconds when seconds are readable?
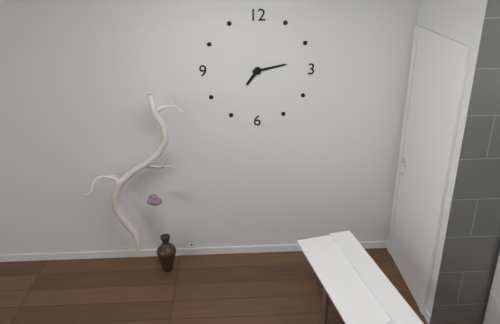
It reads 7,13
